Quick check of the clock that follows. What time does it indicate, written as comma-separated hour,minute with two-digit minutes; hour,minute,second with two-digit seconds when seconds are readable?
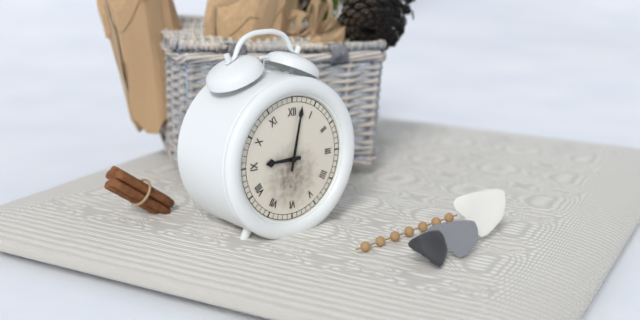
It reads 9,02
